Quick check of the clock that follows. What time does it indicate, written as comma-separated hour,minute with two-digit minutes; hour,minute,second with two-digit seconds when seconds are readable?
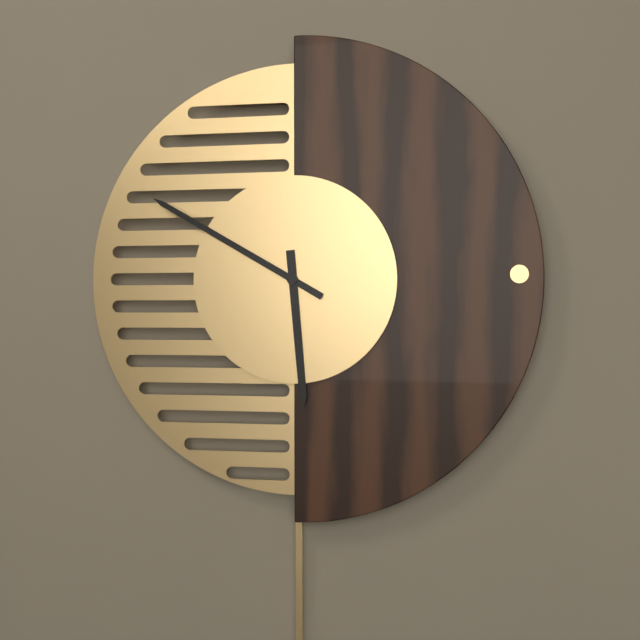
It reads 5,50
